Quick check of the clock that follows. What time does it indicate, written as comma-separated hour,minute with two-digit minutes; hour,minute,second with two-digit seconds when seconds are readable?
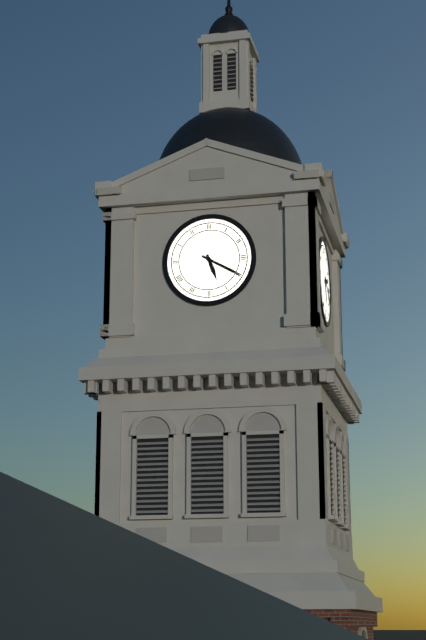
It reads 5,20
